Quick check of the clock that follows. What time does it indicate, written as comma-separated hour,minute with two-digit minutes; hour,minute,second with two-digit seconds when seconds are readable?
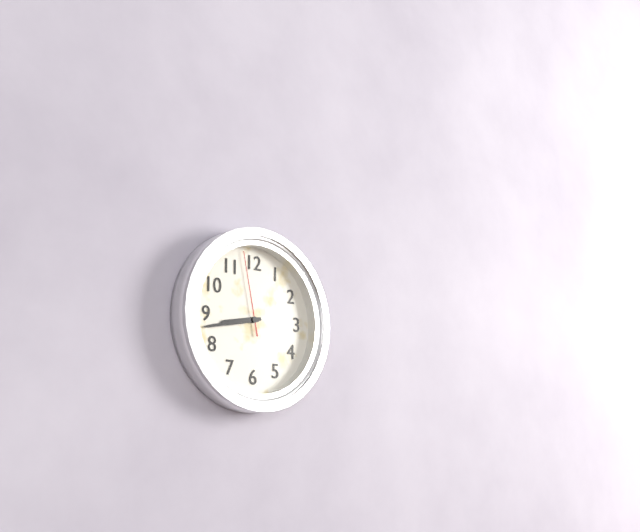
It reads 8,43,58
